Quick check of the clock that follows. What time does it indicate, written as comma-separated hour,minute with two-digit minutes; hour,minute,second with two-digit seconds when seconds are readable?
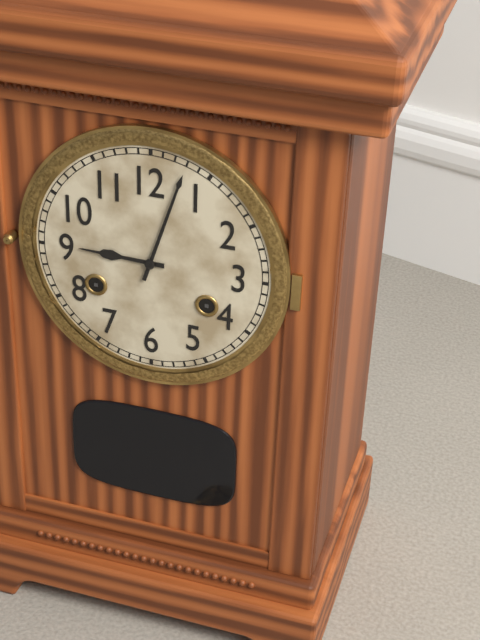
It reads 9,03
